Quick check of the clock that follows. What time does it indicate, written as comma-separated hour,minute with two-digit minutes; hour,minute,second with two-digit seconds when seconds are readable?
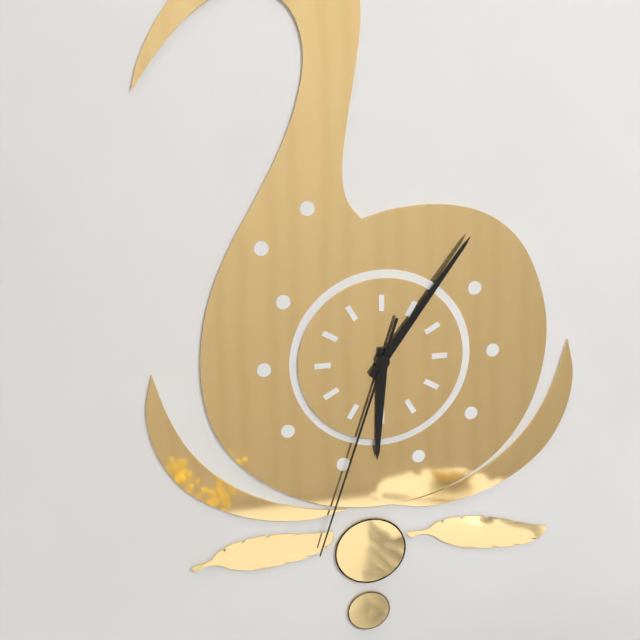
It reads 6,06,33
